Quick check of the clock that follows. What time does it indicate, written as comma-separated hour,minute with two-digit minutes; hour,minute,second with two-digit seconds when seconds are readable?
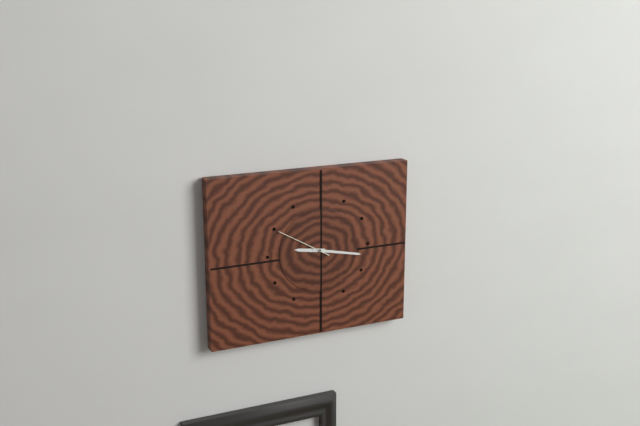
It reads 9,17,50
